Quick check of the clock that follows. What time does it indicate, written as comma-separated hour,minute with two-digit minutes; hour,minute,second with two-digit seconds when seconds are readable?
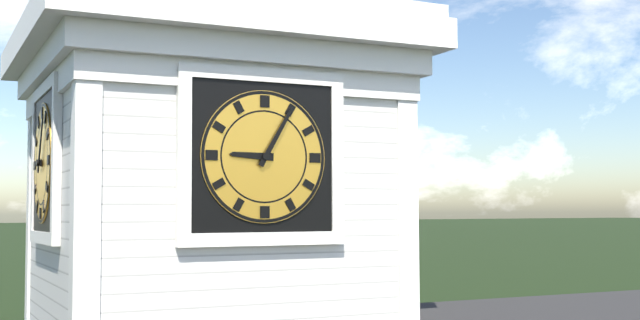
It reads 9,05
